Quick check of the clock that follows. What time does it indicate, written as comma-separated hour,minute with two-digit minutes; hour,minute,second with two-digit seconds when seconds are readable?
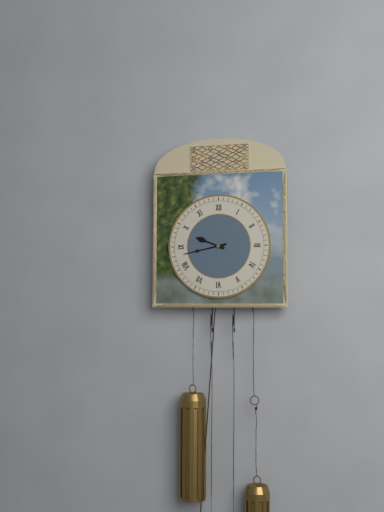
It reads 9,43
